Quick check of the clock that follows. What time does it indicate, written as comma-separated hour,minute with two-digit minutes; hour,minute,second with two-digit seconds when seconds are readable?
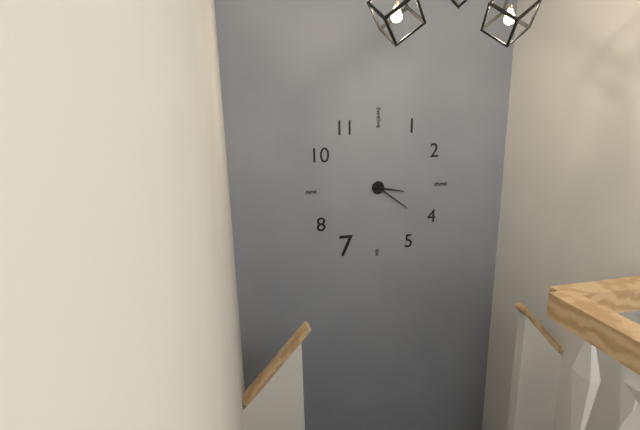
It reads 3,21
